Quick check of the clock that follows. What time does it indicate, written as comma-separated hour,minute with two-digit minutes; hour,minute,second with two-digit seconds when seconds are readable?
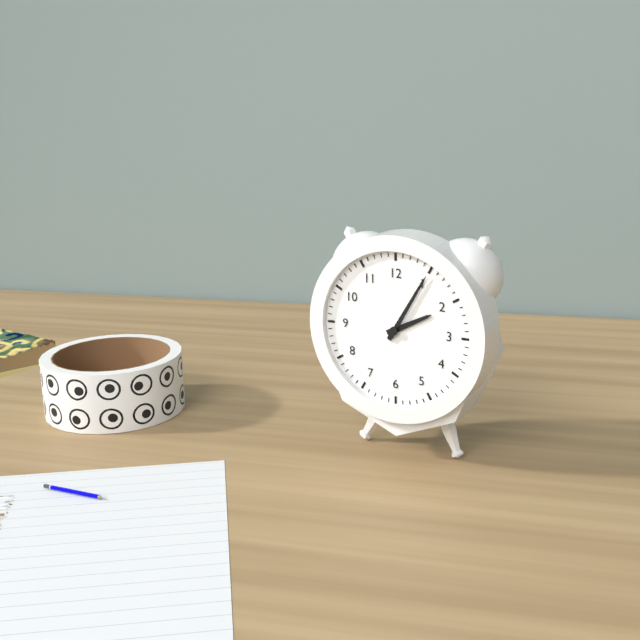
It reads 2,05
